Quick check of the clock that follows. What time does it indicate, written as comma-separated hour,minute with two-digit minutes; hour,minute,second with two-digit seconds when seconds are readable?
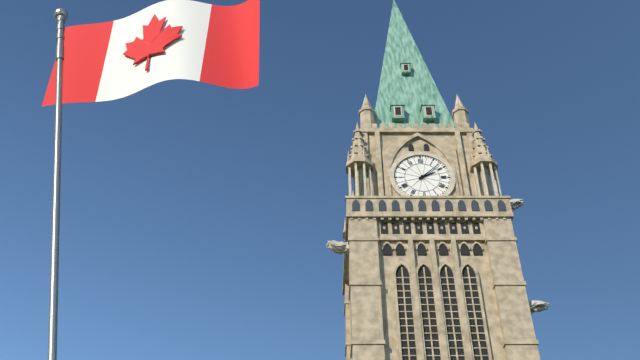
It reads 2,08
